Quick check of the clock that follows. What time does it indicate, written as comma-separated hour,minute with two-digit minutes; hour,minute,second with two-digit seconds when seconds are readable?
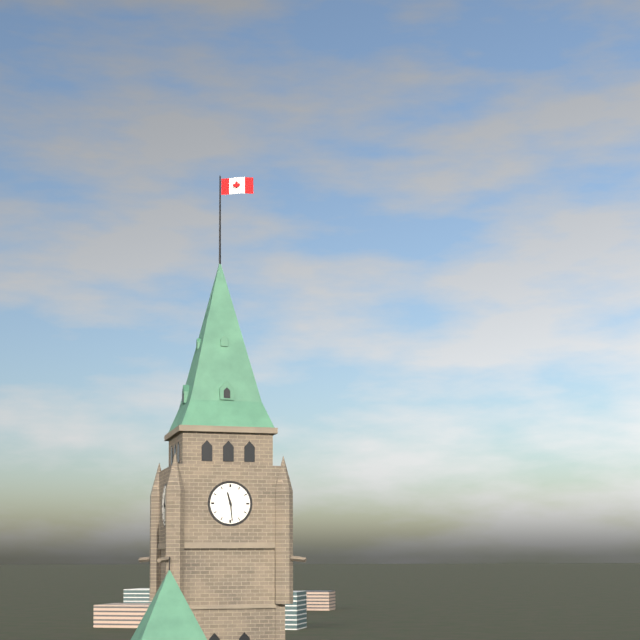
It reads 11,29
